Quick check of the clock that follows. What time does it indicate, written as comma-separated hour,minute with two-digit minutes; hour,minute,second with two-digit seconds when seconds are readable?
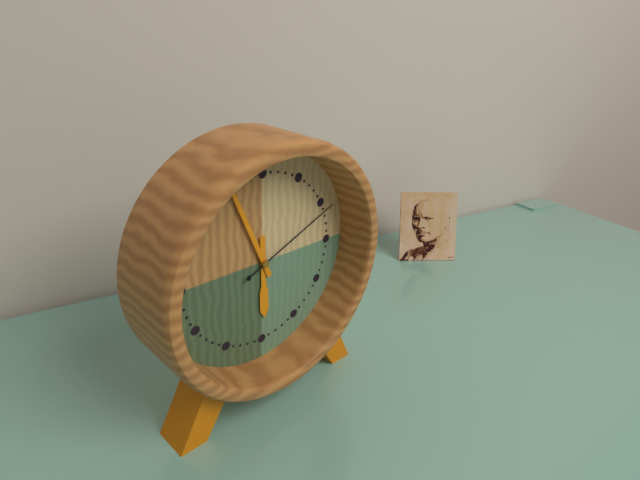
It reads 5,56,11
